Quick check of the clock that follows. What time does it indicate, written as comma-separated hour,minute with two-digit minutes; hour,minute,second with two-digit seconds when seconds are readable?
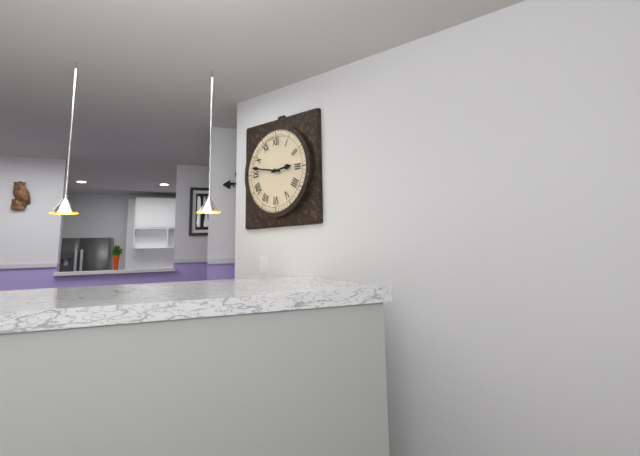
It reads 2,47
